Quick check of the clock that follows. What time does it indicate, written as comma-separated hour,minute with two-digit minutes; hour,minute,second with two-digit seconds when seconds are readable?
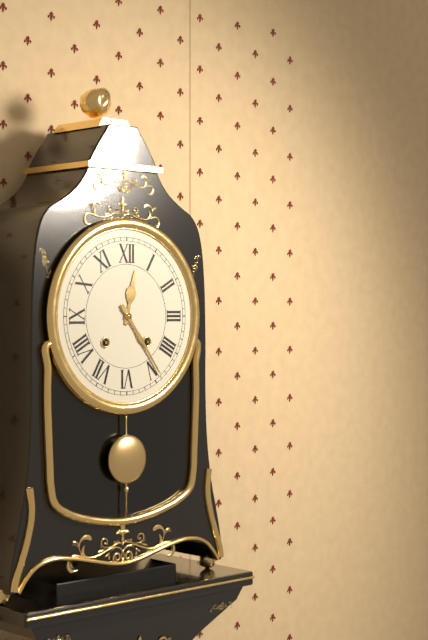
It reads 12,24
